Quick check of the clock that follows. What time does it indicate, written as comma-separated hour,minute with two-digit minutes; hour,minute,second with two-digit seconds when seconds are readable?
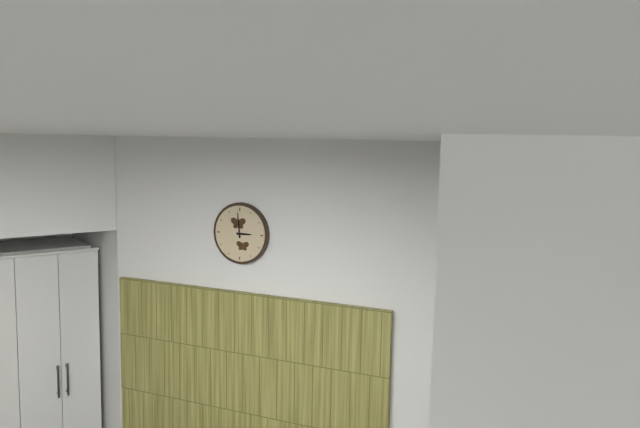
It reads 2,59
